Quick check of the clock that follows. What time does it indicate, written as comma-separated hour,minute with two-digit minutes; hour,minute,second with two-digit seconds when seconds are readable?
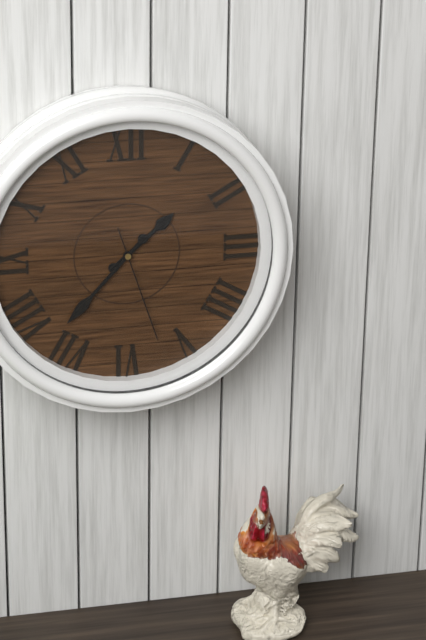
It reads 1,37,27
